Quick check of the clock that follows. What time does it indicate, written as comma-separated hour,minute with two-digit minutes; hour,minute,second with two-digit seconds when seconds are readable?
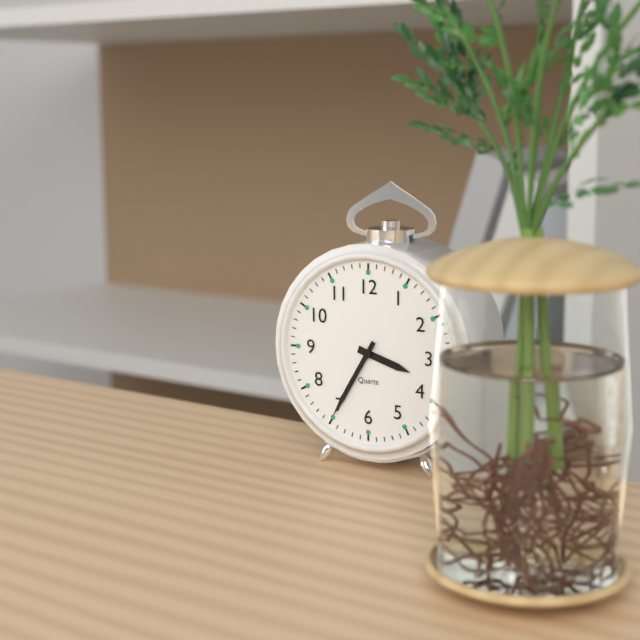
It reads 3,35
